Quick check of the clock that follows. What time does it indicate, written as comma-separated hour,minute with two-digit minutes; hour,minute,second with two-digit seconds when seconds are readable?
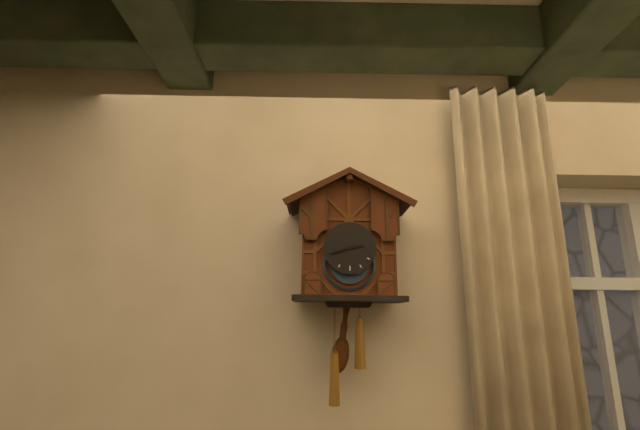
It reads 2,42
